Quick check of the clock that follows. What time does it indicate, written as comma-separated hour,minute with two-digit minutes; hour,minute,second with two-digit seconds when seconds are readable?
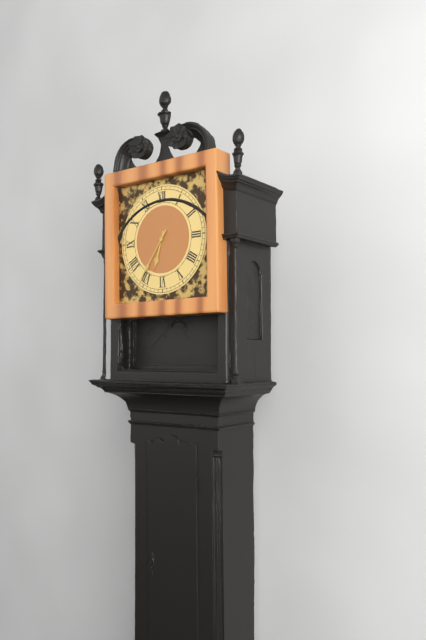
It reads 6,36
